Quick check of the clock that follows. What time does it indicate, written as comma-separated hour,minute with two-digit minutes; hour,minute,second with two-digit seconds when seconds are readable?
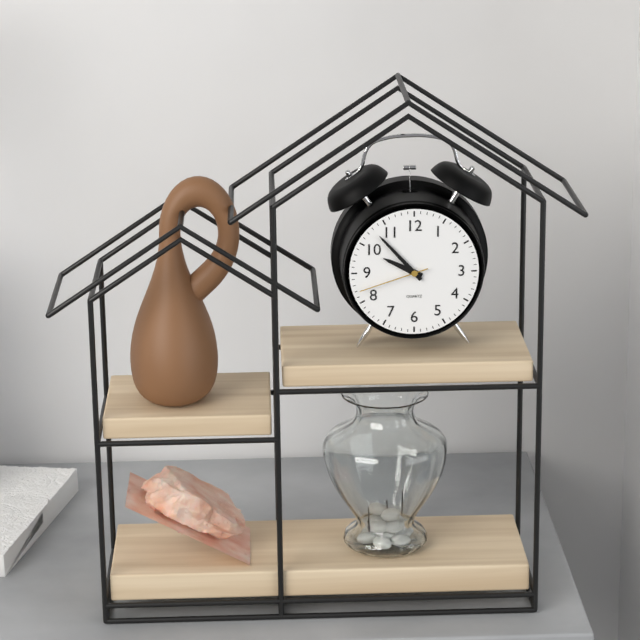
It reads 9,53,42
